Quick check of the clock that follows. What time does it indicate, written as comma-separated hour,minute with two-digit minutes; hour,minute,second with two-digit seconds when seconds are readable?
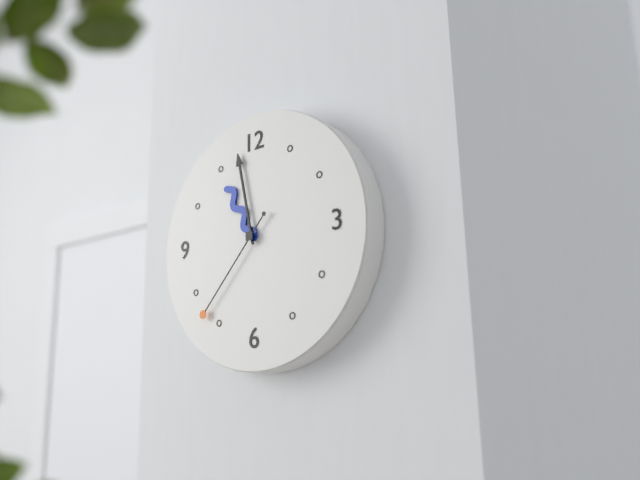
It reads 10,58,37
